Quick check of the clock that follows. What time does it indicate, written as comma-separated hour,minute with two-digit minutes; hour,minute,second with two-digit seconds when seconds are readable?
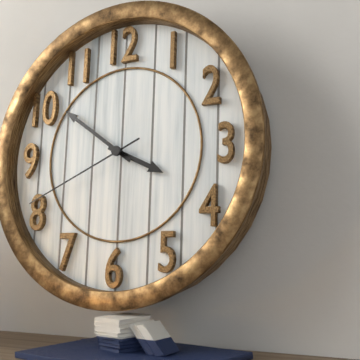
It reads 3,51,41
